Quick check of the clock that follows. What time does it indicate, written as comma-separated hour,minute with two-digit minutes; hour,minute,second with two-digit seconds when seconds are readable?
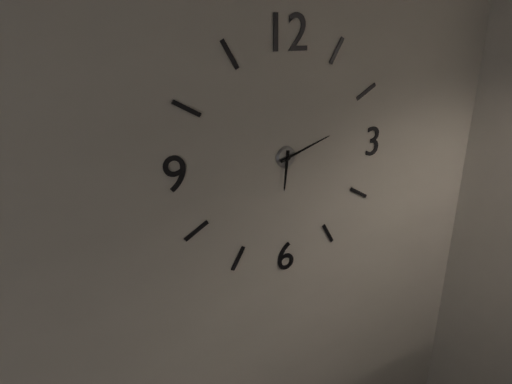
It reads 6,12
